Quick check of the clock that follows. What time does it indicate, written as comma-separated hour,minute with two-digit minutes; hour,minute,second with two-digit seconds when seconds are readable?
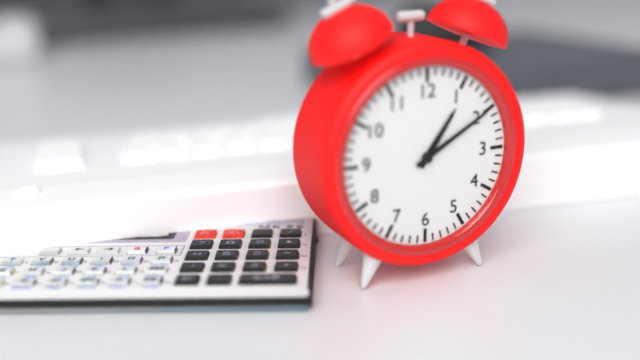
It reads 1,10
